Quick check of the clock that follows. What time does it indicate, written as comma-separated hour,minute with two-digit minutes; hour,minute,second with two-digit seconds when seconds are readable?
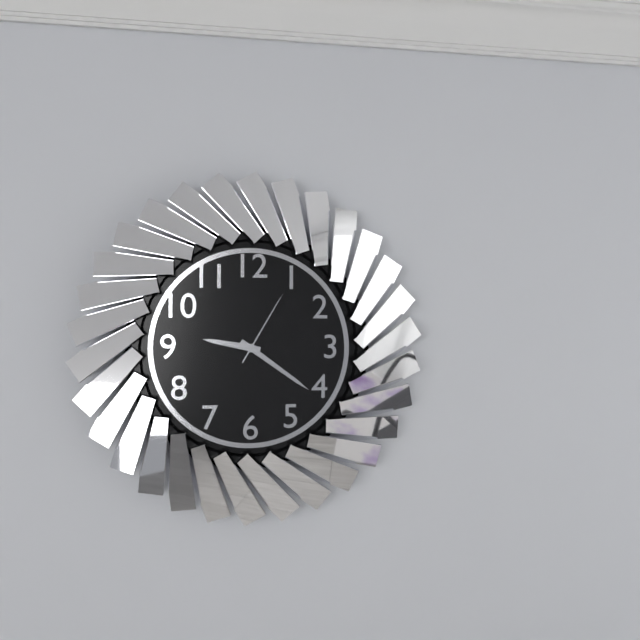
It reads 9,21,05
